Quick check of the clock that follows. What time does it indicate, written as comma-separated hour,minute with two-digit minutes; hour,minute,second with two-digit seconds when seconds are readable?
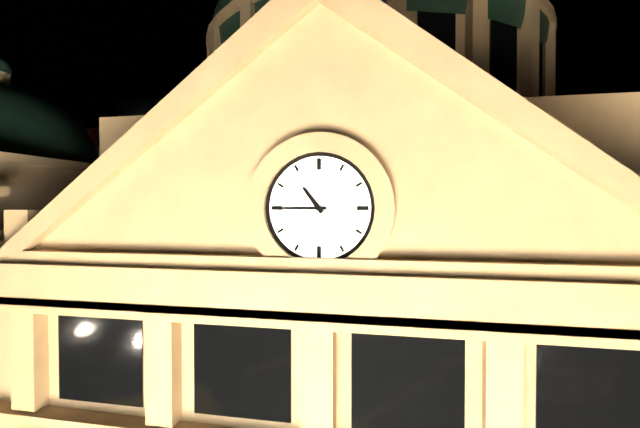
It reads 10,45
